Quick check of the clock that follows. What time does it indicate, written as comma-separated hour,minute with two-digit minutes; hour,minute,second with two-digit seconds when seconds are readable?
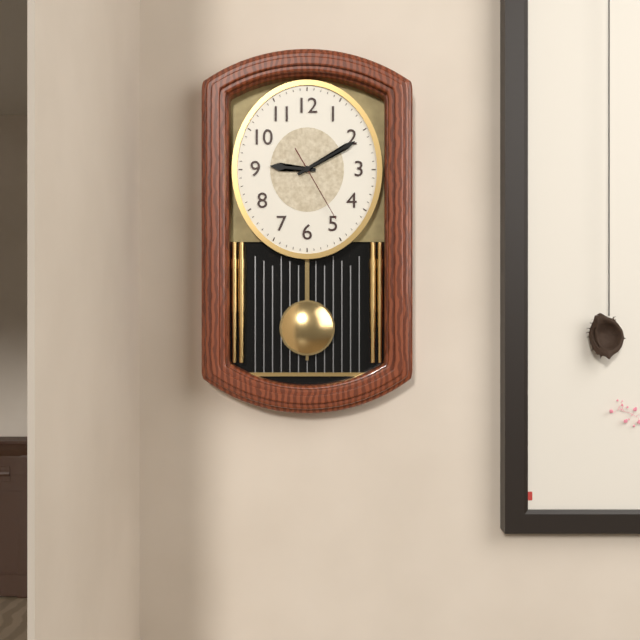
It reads 9,10,25
